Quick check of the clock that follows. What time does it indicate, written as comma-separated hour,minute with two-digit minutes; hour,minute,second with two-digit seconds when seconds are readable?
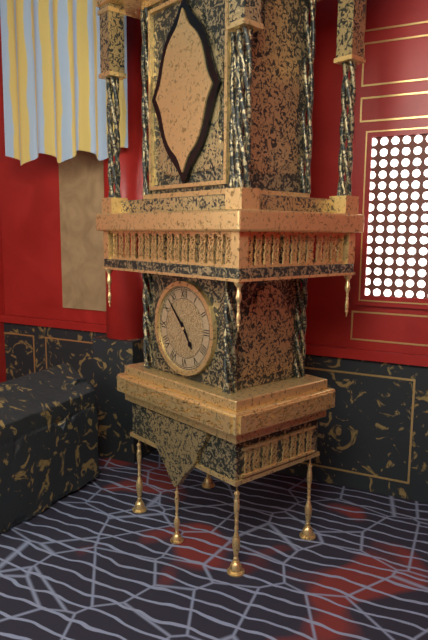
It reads 4,53
